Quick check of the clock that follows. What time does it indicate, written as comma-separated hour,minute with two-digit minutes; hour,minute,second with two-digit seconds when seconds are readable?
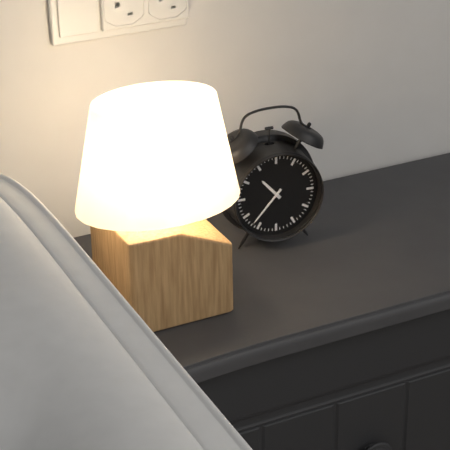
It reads 10,37
